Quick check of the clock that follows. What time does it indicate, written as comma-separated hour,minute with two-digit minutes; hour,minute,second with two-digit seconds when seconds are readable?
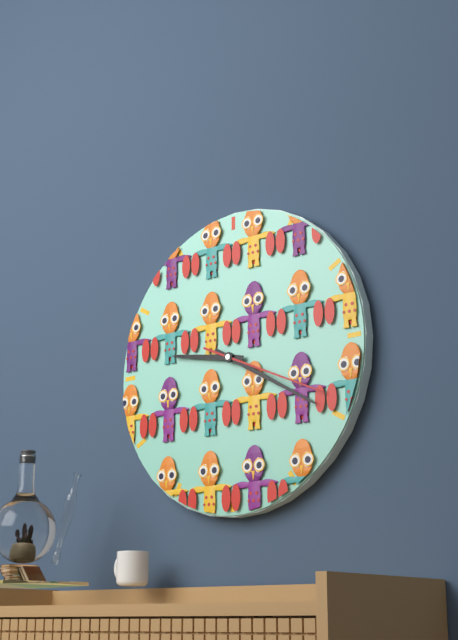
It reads 9,20,19
